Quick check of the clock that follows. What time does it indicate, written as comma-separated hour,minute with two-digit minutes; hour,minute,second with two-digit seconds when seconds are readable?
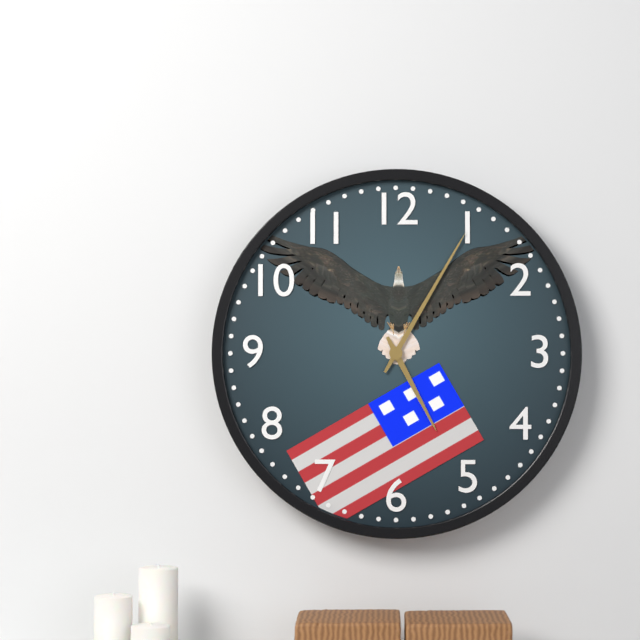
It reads 5,05
